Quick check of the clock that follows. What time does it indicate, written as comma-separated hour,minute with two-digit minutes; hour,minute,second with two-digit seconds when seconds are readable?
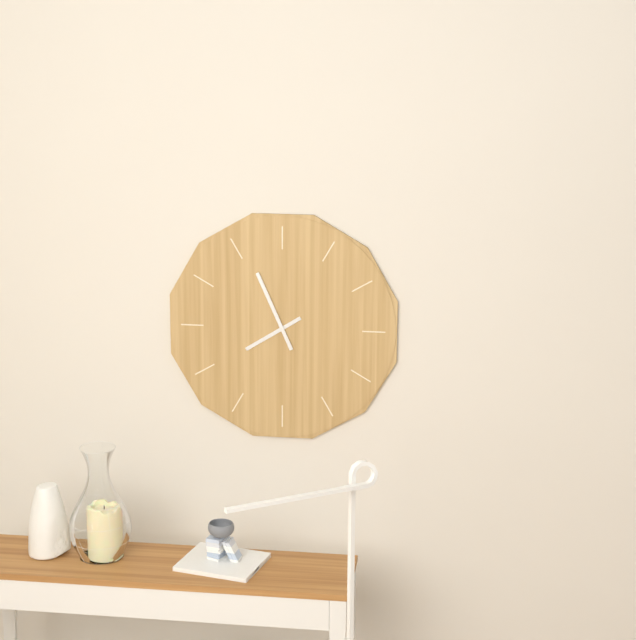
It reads 7,56
